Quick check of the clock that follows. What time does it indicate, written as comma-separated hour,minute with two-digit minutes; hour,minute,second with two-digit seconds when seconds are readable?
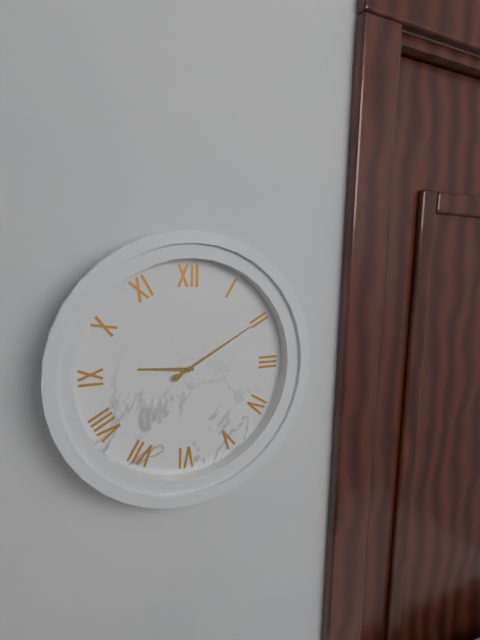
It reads 9,10
